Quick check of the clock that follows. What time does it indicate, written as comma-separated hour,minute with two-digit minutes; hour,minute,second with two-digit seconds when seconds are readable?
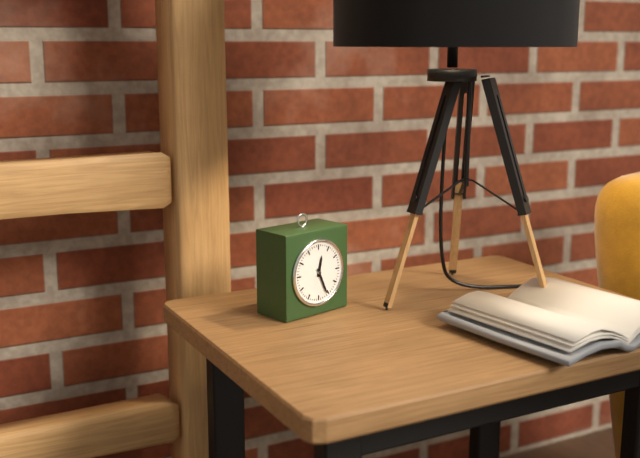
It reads 12,26
